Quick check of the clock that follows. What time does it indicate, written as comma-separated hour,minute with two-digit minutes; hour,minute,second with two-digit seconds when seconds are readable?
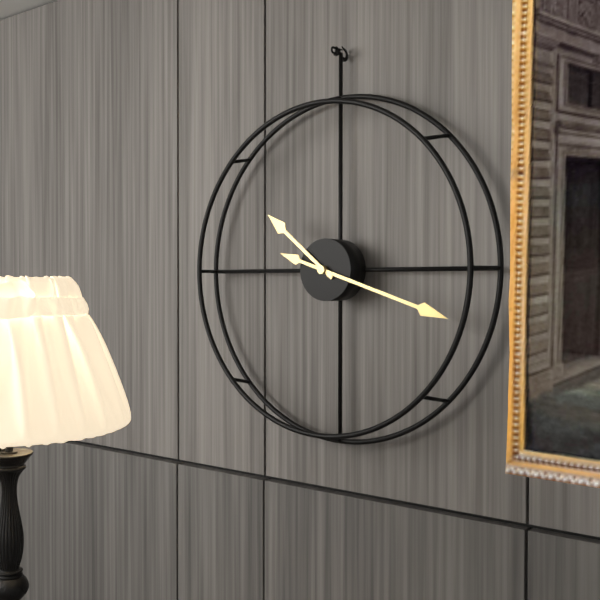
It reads 10,18
